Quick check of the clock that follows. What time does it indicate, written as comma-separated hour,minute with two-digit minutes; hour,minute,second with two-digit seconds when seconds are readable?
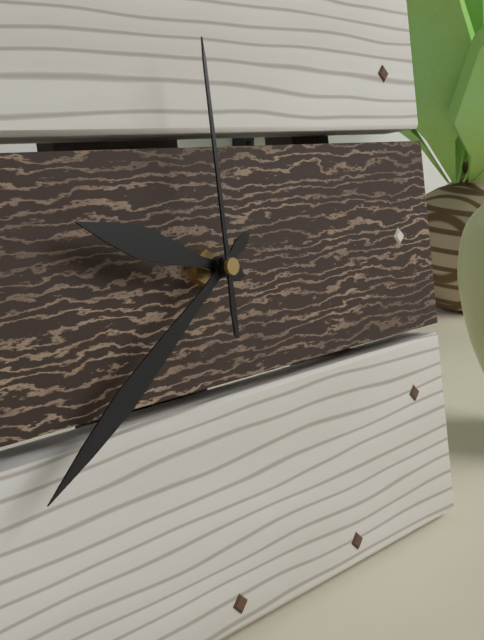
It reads 9,39,00
